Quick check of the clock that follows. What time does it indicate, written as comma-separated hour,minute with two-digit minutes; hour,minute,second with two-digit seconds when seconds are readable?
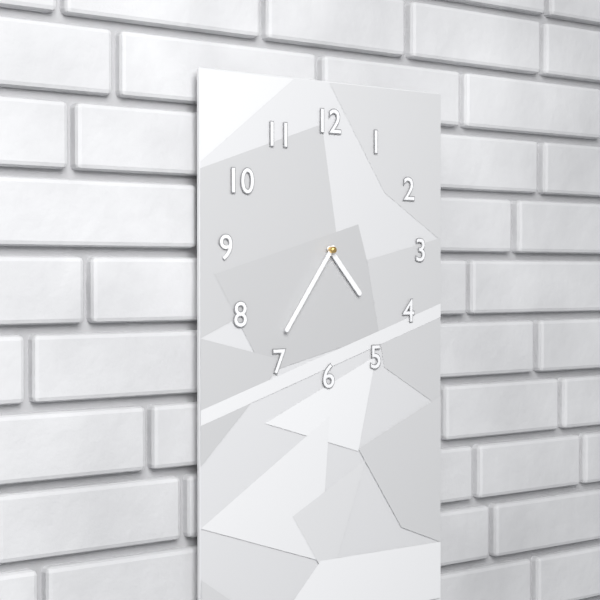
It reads 4,36
